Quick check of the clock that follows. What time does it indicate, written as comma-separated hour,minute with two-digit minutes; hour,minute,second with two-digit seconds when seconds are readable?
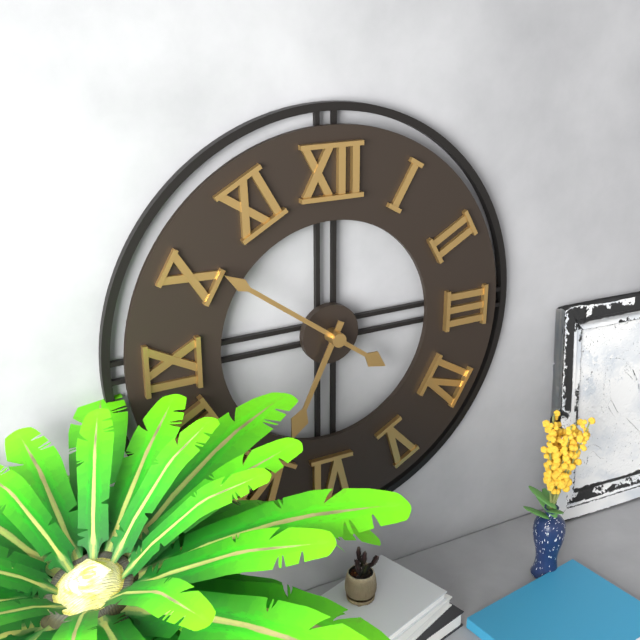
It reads 6,51
